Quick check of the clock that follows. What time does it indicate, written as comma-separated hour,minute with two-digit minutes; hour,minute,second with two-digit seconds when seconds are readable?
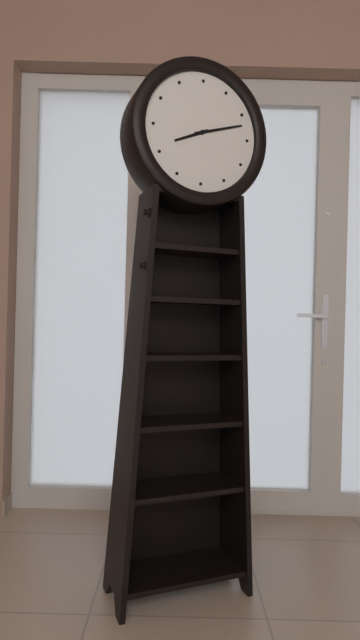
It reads 8,12
